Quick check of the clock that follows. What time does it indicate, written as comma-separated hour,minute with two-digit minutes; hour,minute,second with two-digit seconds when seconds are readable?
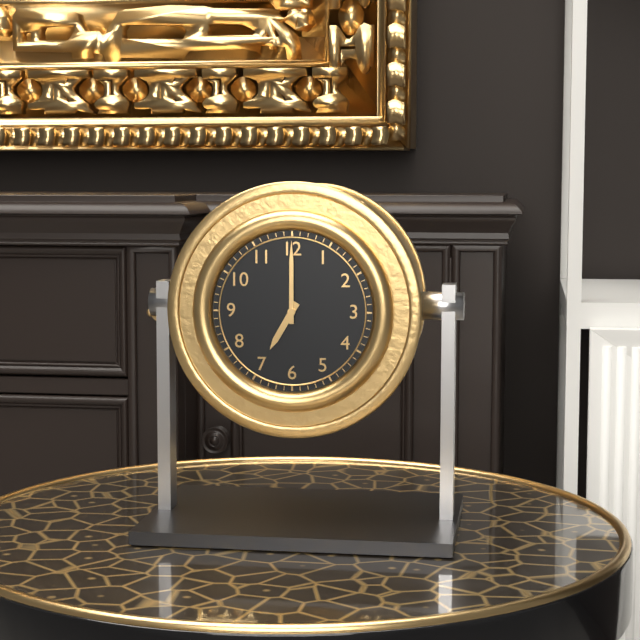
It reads 7,00
